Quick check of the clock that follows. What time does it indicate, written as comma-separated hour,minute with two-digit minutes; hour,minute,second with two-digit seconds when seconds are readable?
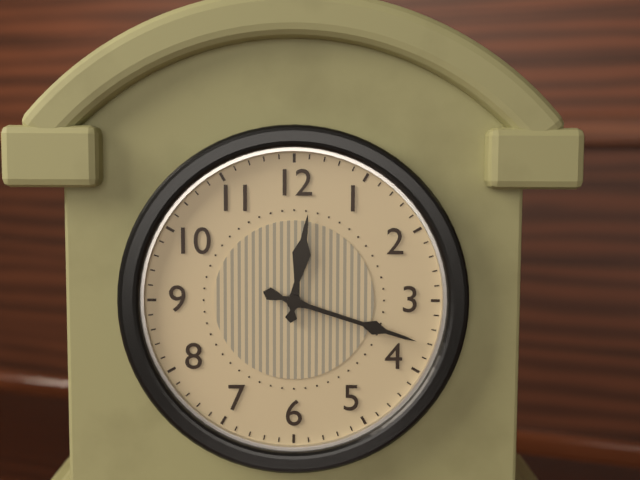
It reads 12,18
